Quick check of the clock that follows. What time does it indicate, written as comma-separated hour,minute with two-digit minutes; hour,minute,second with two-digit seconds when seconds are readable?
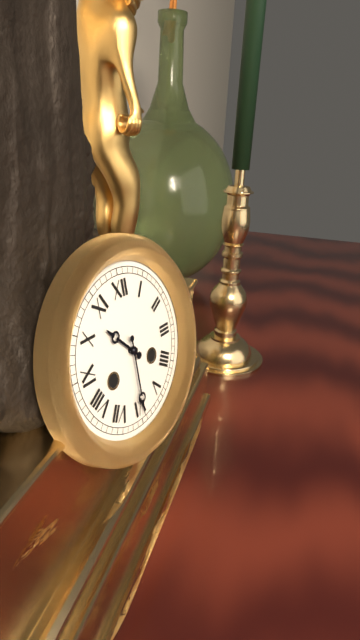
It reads 10,30
